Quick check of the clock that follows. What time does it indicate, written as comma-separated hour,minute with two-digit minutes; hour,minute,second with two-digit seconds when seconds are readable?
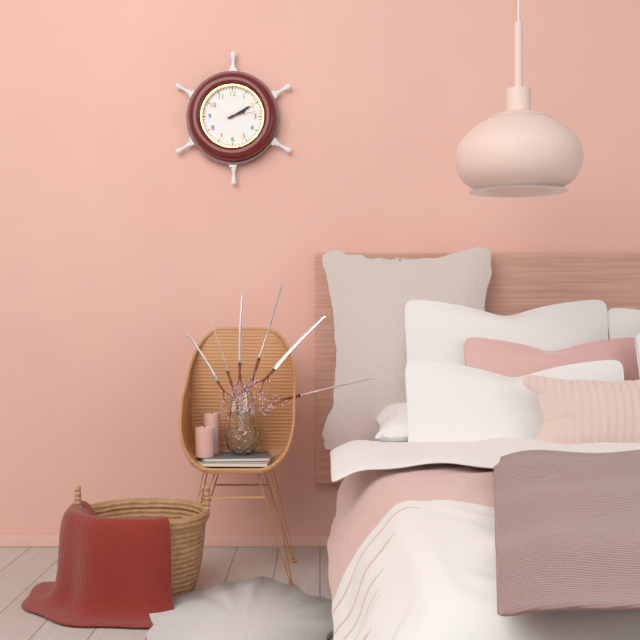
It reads 2,10
